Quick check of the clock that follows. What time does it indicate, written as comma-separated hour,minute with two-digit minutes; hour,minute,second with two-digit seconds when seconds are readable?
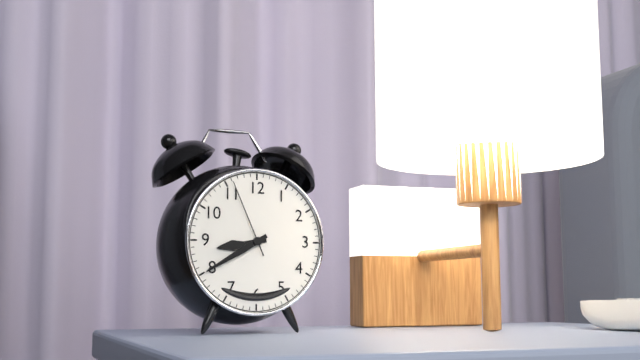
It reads 8,40,56
